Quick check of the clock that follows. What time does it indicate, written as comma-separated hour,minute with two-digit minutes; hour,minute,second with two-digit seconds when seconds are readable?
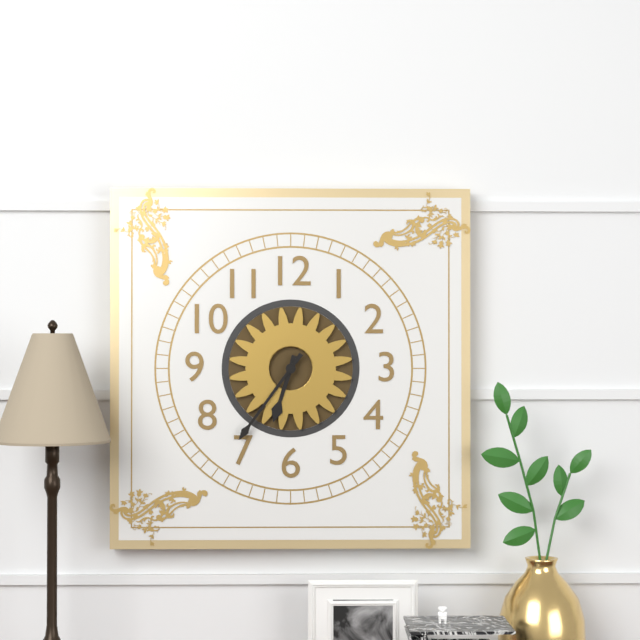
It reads 6,36
